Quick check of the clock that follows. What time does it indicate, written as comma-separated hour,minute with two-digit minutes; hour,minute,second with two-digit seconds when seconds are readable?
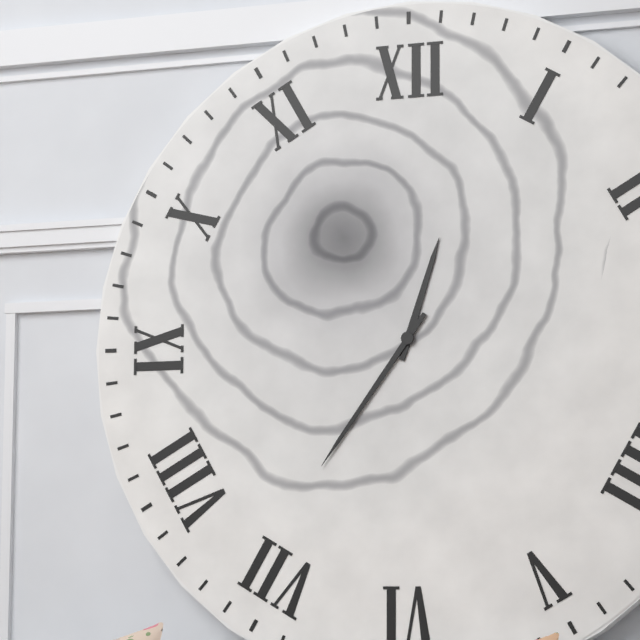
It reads 12,36
